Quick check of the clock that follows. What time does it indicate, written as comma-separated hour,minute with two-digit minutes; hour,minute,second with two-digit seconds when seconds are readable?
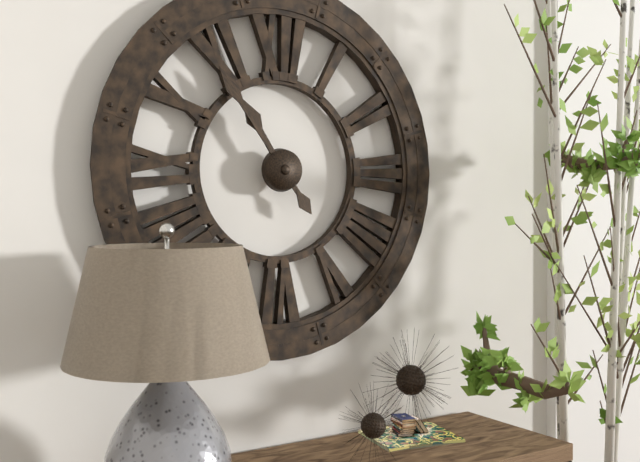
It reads 10,54
